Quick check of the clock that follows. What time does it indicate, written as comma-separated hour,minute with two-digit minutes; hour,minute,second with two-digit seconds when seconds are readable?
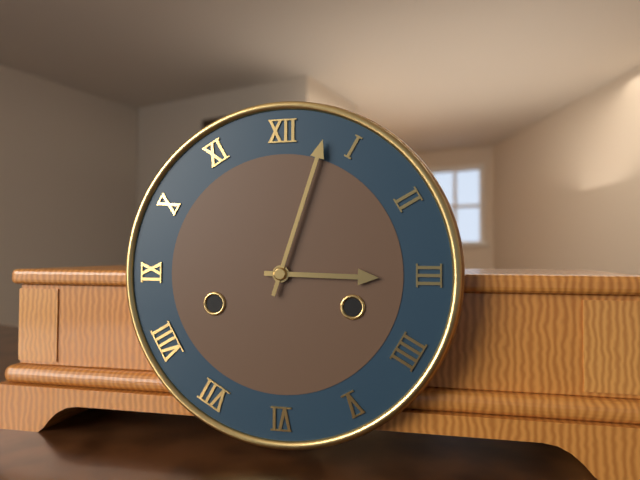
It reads 3,03
